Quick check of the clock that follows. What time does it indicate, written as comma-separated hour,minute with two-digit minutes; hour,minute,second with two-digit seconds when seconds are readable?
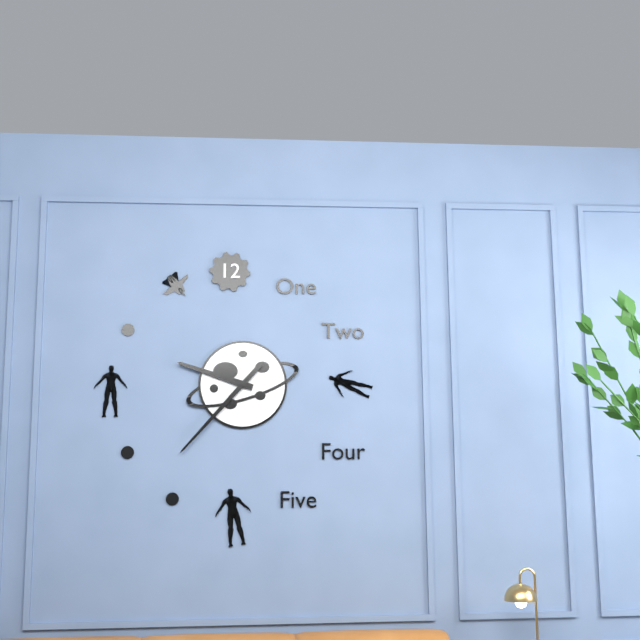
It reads 9,37
